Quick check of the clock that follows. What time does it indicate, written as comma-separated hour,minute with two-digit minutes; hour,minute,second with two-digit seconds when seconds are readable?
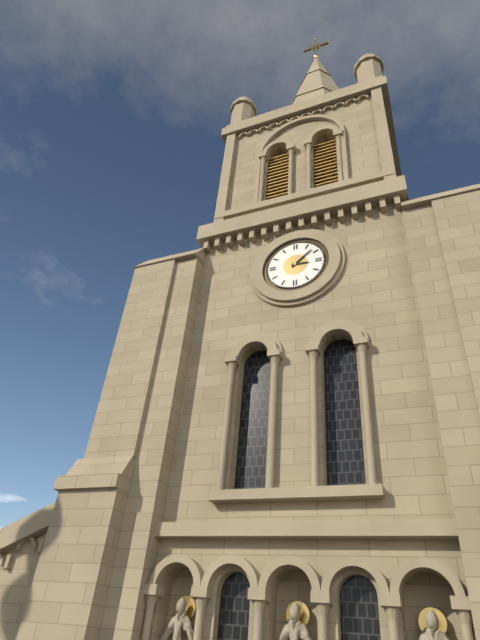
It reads 3,08
